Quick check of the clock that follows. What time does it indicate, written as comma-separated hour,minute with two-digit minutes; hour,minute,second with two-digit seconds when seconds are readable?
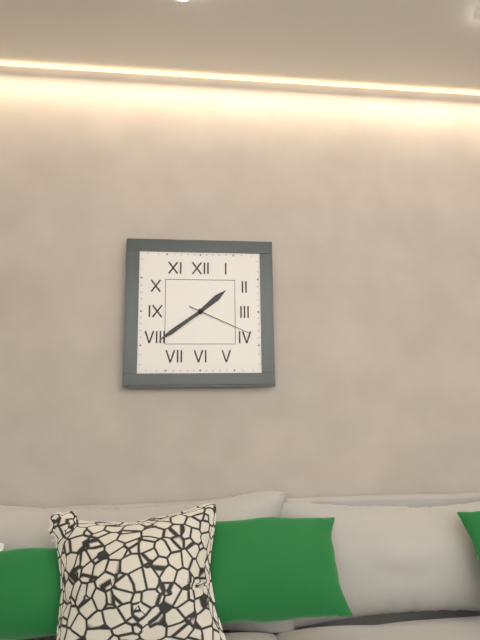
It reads 1,39,19
